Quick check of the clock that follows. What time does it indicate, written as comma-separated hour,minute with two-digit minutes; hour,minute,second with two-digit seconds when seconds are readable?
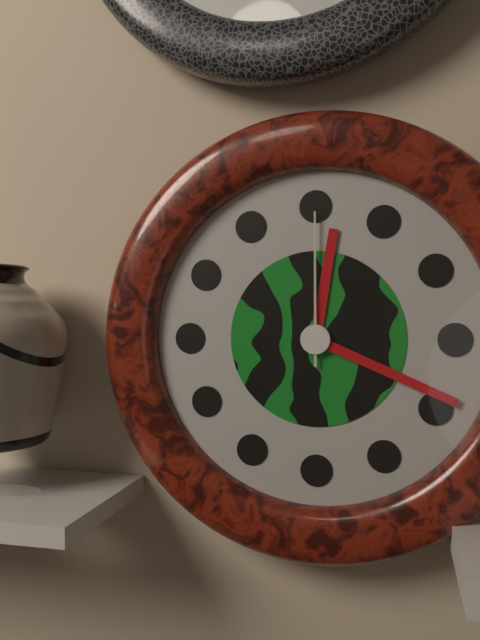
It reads 12,19,00
